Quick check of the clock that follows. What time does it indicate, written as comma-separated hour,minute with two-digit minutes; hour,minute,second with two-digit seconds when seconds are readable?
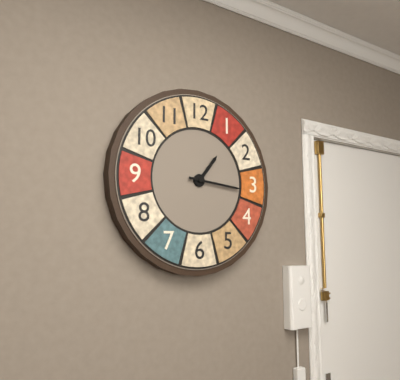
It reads 1,16
